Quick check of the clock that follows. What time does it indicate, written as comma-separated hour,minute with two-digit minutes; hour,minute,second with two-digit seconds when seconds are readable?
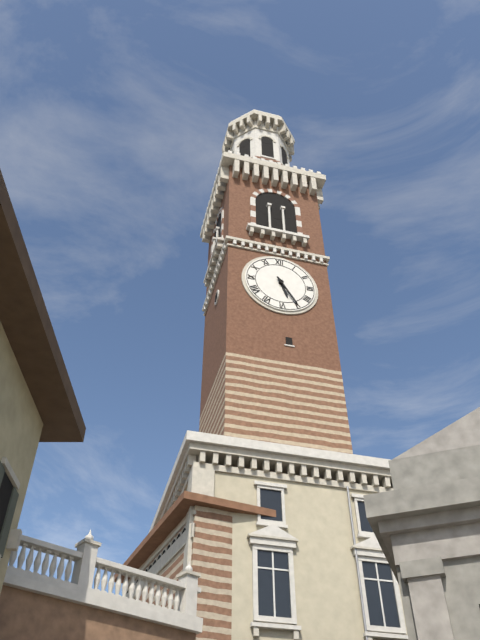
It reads 5,25
